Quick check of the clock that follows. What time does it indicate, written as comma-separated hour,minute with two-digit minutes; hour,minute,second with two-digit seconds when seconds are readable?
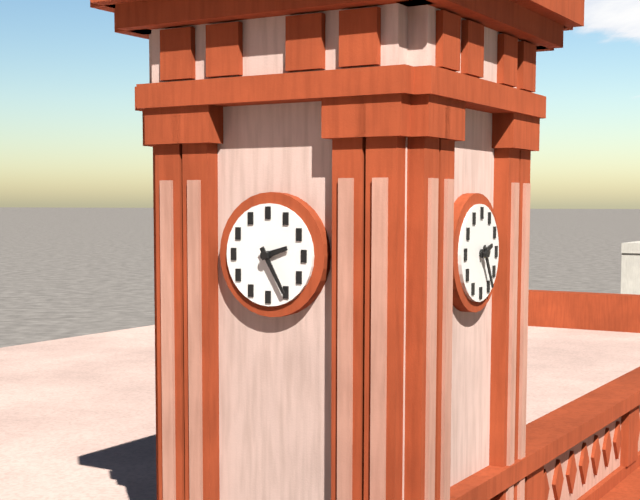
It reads 2,25
